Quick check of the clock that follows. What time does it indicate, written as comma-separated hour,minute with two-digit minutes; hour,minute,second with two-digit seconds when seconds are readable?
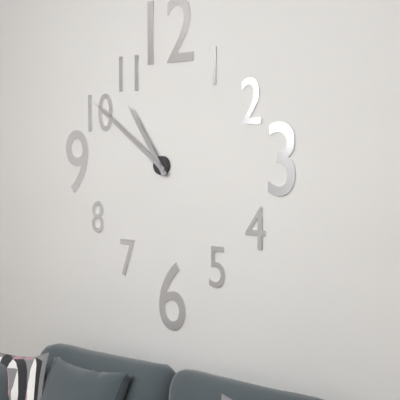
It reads 10,51
